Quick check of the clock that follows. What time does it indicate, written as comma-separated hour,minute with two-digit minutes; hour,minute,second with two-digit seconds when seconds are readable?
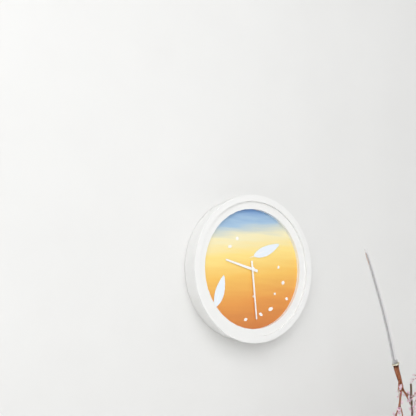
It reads 9,29
